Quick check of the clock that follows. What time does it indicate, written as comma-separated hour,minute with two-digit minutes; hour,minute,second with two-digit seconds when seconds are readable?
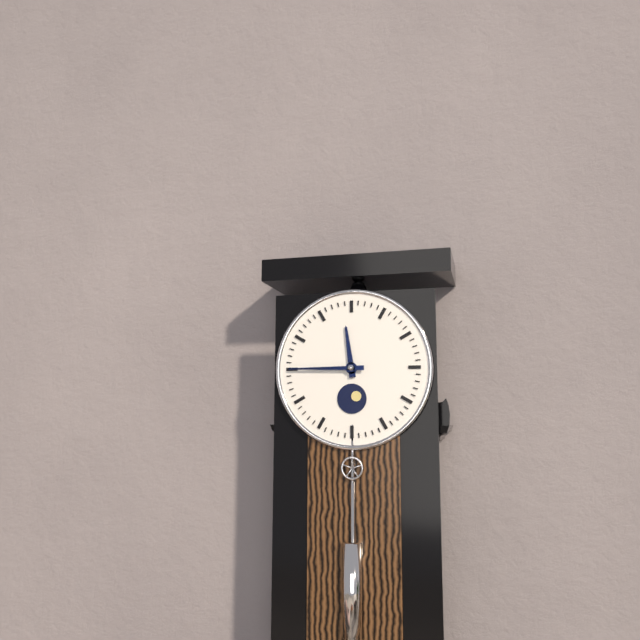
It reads 11,45
